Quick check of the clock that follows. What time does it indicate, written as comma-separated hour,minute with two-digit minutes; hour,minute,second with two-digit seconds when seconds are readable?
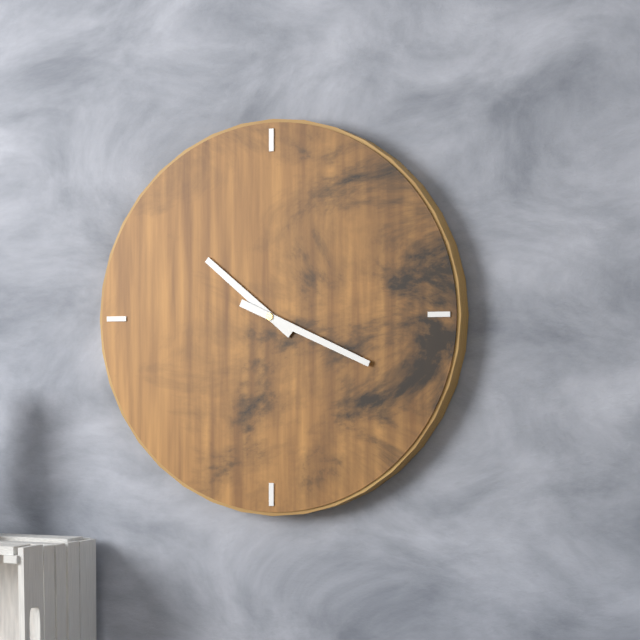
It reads 10,19
